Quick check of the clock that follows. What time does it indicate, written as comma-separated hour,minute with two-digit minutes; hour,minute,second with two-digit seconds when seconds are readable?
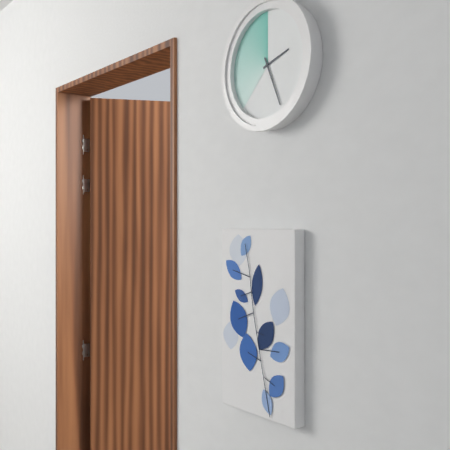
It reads 2,26
